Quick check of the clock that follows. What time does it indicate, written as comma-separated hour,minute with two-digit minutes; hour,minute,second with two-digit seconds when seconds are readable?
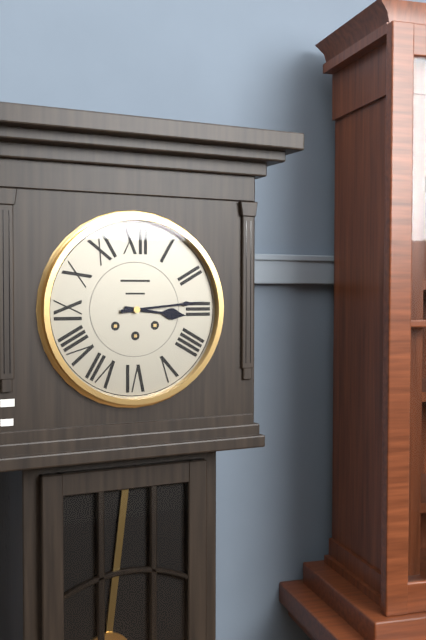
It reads 3,14
